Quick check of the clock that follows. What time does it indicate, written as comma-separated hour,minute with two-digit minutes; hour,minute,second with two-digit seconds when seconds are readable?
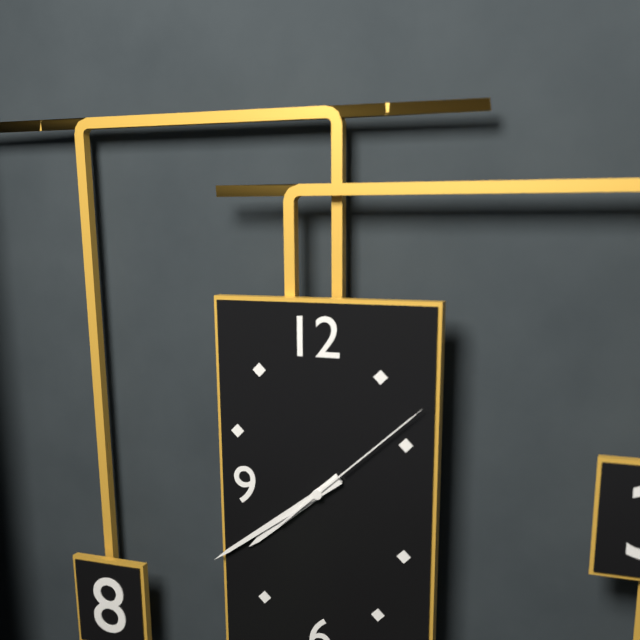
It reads 7,39,08
